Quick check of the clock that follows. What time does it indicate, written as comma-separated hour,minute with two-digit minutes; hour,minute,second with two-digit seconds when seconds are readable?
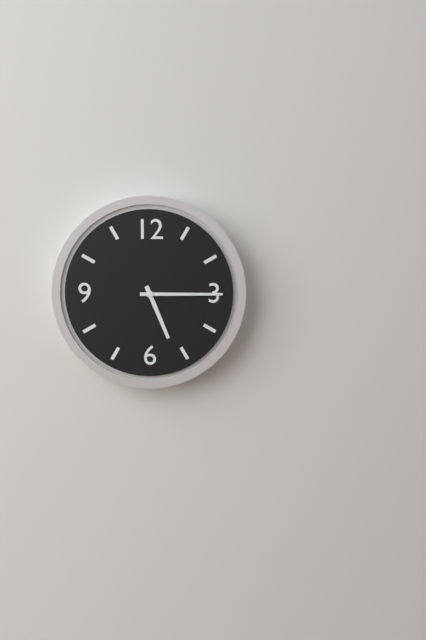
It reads 5,15
